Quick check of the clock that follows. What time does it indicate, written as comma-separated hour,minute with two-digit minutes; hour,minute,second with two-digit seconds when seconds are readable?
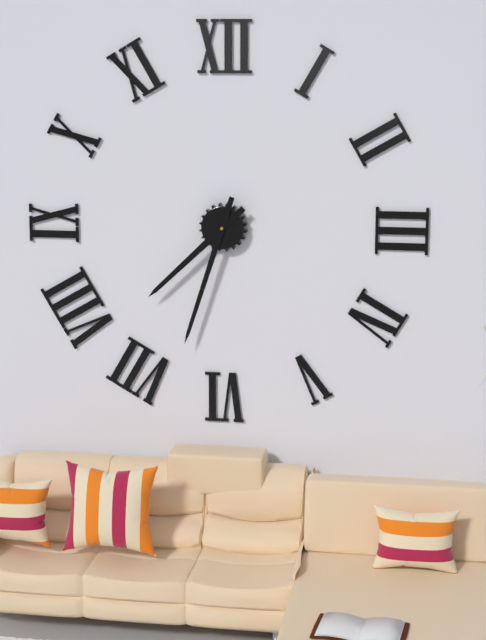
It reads 7,33
